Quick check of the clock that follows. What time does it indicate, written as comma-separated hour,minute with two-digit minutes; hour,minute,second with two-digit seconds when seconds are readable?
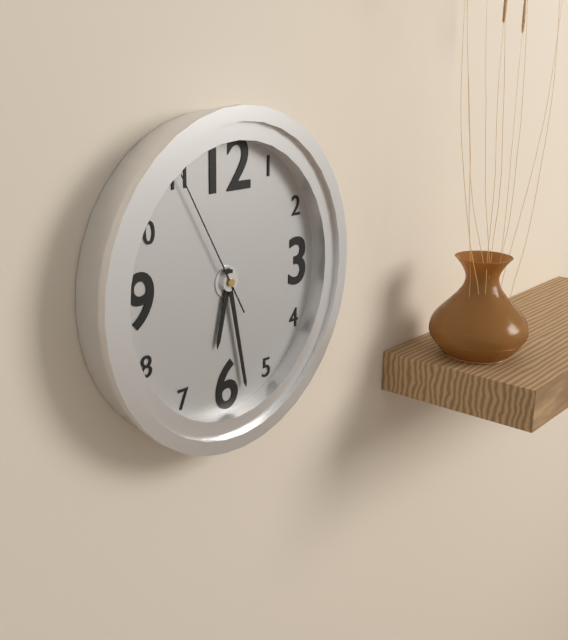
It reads 6,28,55
